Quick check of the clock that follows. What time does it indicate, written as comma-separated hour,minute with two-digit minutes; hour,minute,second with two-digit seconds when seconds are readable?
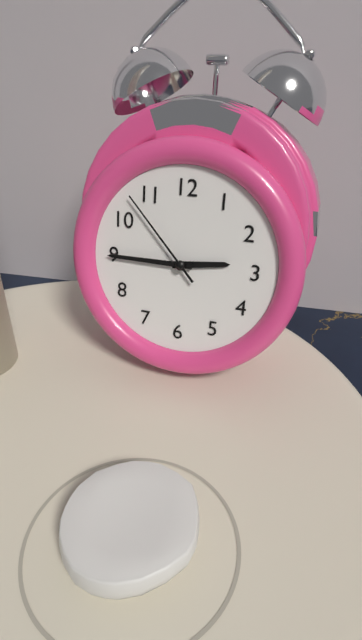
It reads 2,45,53
